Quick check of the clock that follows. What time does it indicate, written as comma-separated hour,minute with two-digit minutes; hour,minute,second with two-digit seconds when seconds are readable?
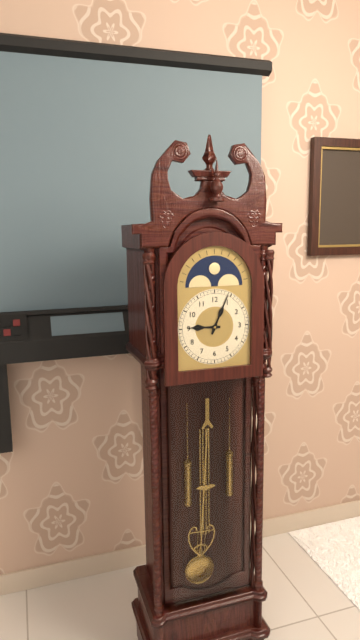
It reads 9,04
